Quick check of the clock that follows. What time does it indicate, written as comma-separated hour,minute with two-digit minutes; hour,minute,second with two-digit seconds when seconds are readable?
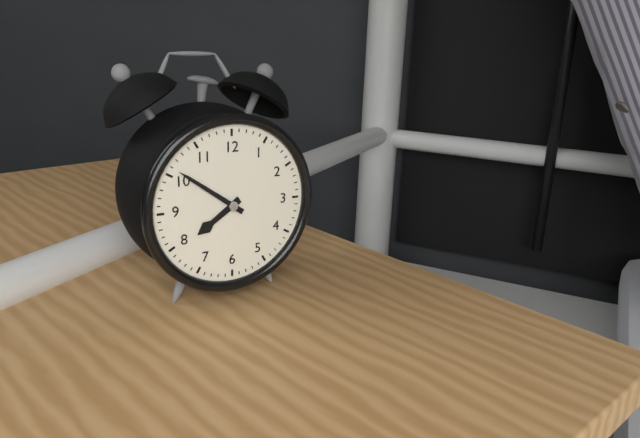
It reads 7,51
